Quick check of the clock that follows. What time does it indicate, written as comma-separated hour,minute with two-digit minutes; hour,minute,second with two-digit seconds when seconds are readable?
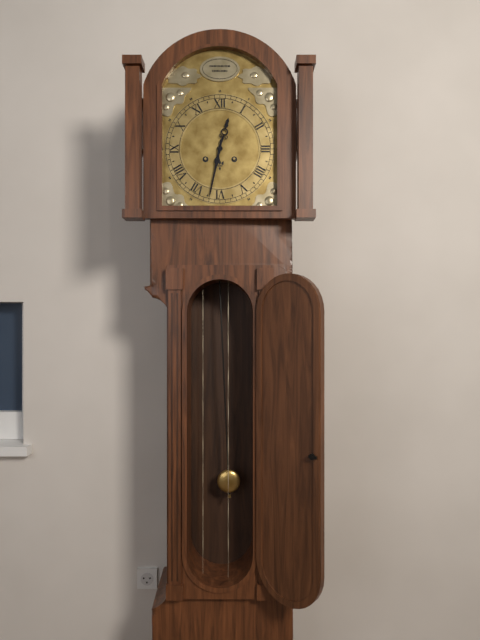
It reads 12,32
